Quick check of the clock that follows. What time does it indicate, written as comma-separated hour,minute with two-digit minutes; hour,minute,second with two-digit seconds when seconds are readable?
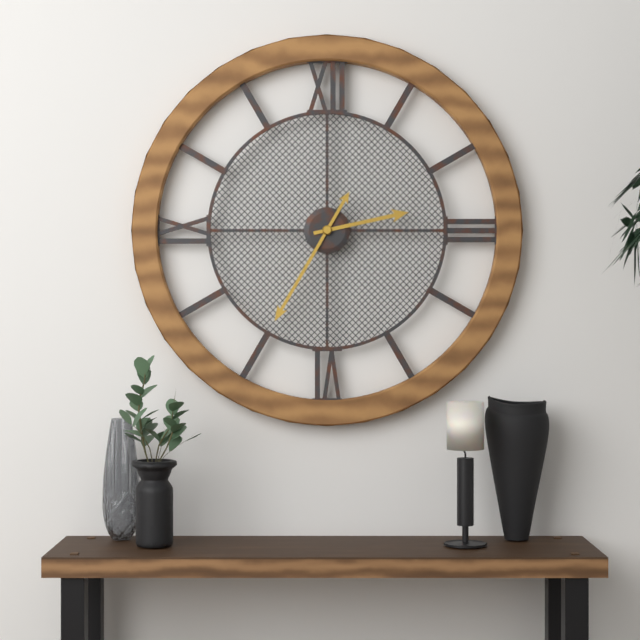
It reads 2,35
